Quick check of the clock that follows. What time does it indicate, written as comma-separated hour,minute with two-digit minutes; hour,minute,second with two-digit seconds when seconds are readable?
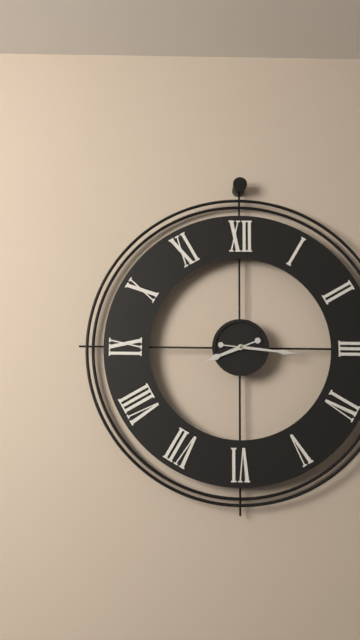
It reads 8,16
